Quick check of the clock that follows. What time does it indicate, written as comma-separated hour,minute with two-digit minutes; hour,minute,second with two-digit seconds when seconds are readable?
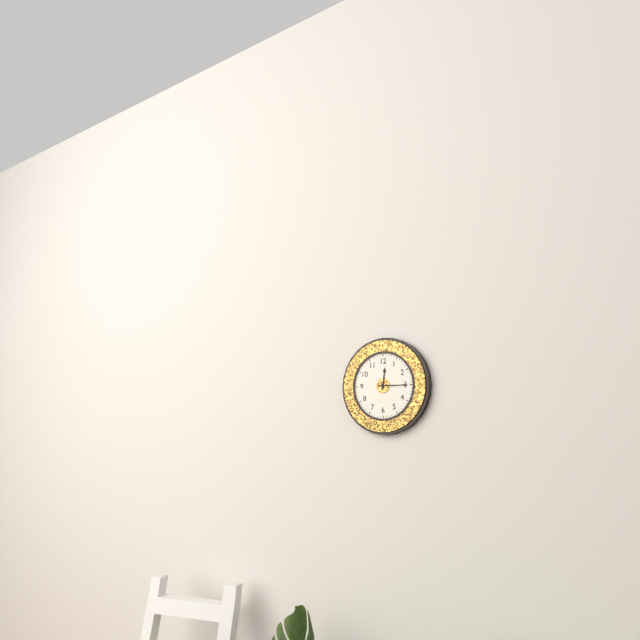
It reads 12,15
